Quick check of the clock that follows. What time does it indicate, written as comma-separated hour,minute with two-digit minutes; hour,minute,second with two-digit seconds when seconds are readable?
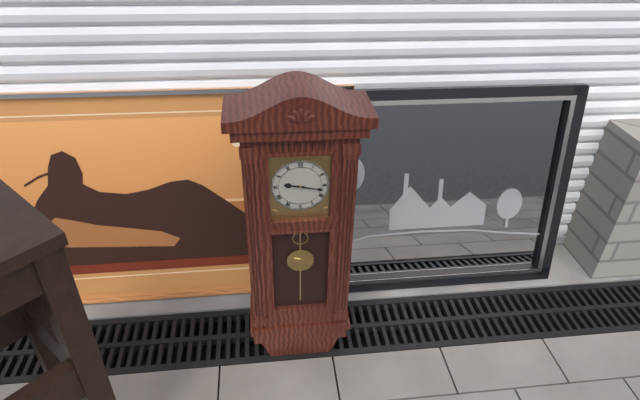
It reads 9,17
